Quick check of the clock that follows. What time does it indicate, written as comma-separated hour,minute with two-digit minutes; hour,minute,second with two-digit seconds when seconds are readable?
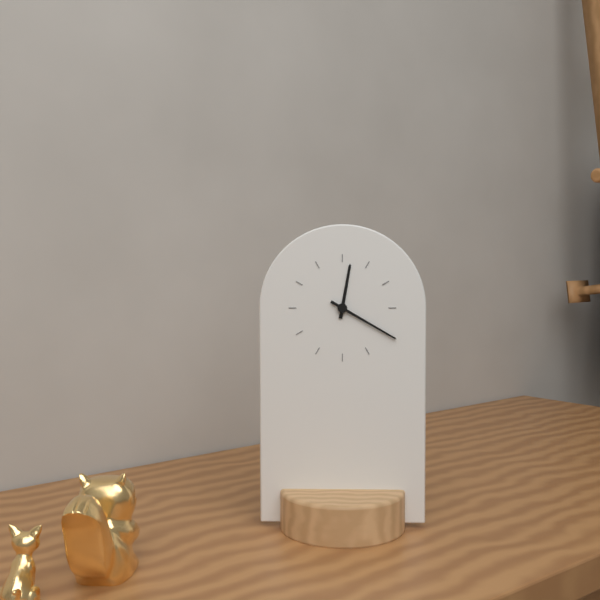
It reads 12,20
